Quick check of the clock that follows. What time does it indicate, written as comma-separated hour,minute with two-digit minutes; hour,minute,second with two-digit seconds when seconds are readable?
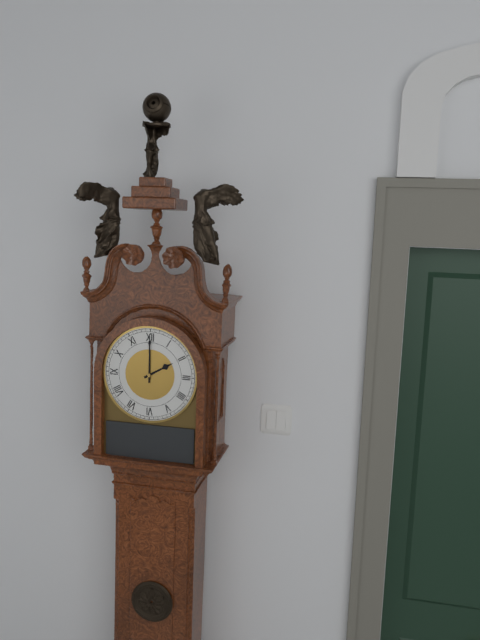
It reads 2,00
